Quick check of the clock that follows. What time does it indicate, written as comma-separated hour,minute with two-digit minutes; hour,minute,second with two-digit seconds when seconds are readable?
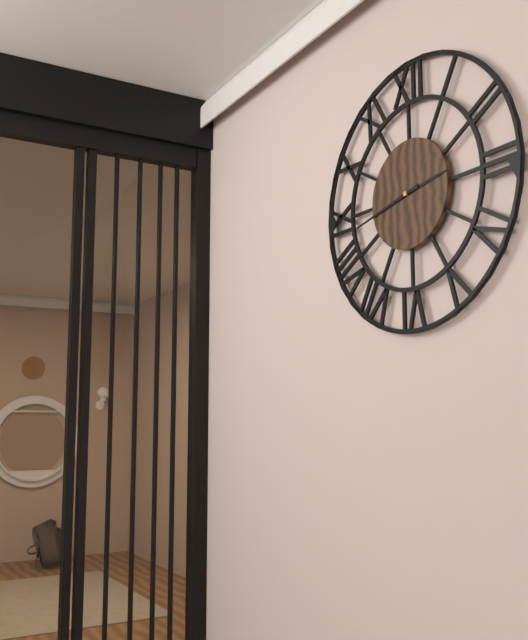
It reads 2,43
